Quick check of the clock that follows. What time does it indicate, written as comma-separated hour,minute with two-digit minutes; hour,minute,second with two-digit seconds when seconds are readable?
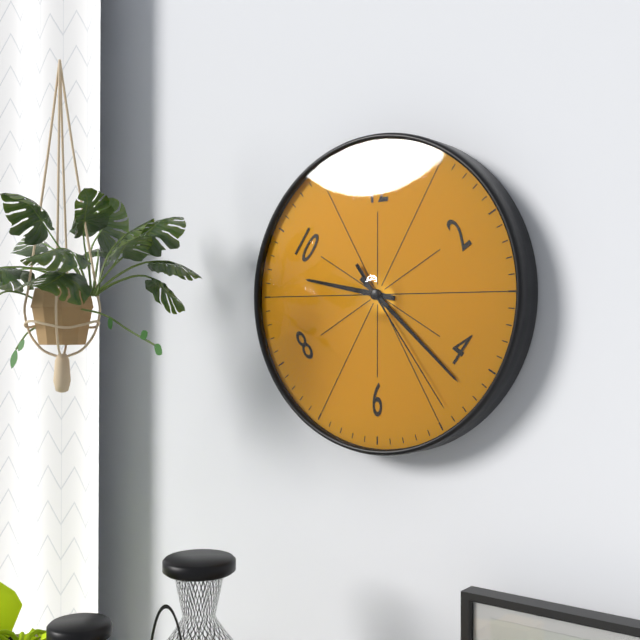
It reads 9,22,24
